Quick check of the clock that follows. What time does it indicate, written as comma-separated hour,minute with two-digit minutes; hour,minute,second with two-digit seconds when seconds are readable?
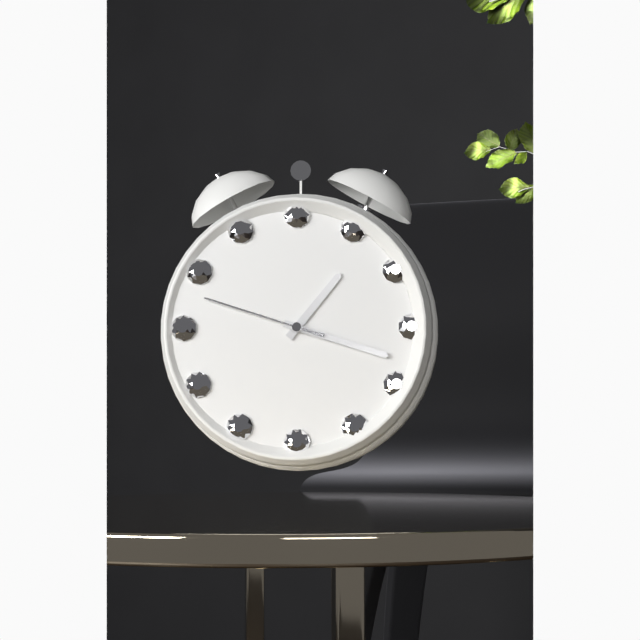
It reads 1,18,48
